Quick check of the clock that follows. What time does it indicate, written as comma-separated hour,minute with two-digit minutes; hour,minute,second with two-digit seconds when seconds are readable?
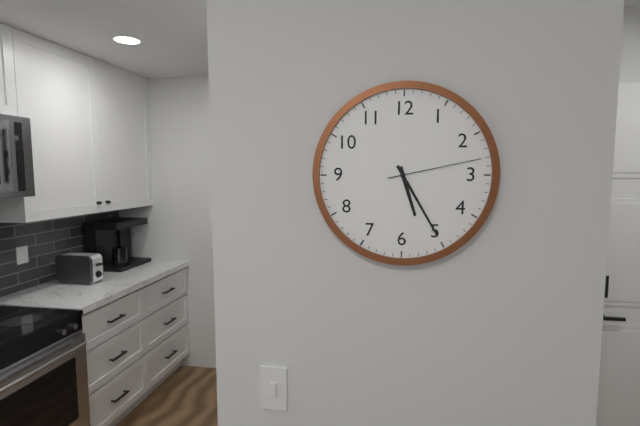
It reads 5,25,13
